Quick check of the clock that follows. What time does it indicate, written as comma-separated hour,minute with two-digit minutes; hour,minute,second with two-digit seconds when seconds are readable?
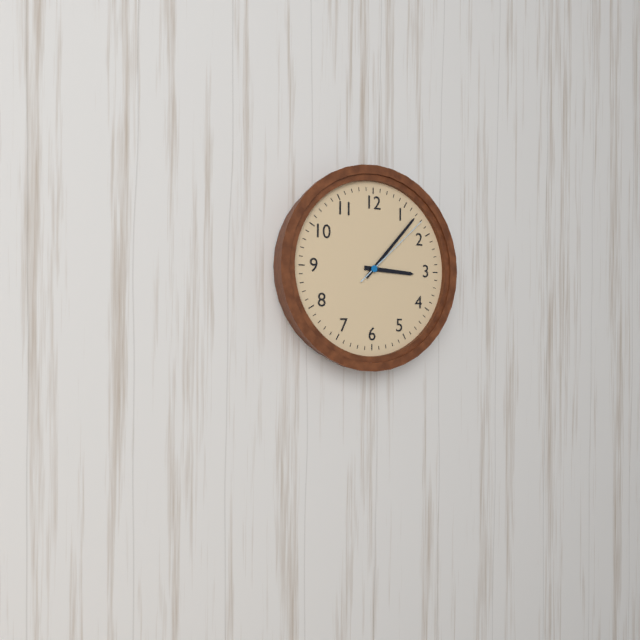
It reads 3,07,08
